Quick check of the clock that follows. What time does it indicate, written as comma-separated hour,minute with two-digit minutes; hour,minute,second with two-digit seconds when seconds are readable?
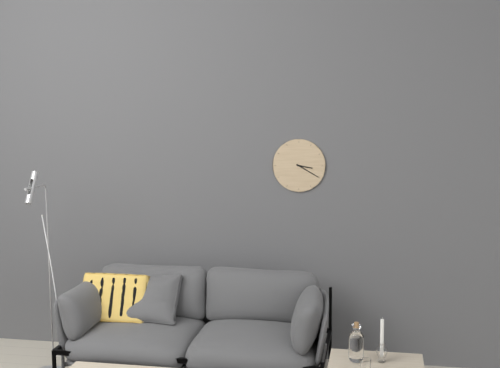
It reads 3,20
